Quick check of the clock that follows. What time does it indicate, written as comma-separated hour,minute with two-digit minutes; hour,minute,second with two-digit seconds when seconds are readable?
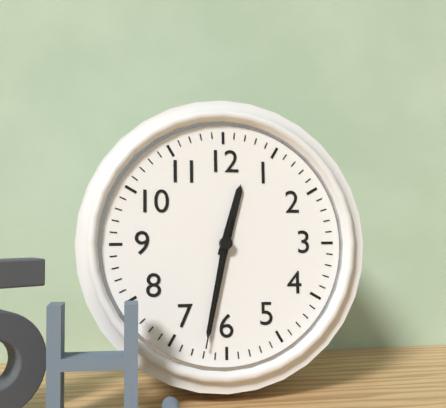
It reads 12,32,32
